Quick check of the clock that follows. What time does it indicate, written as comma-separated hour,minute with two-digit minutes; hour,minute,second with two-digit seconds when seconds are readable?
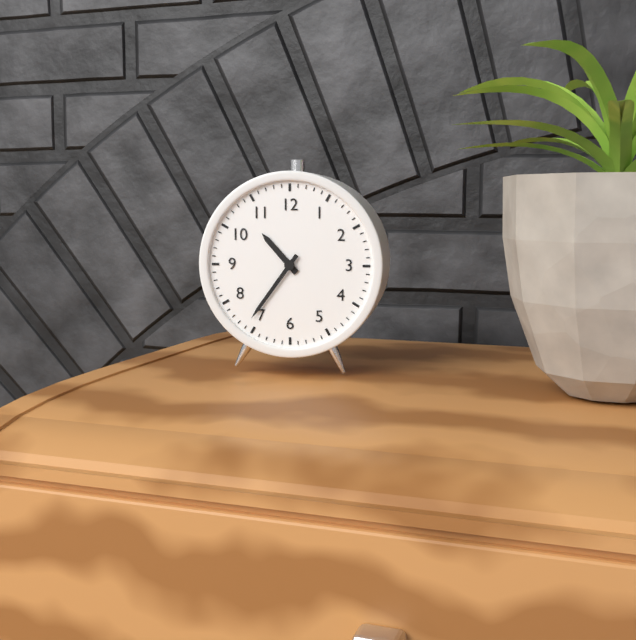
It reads 10,36
